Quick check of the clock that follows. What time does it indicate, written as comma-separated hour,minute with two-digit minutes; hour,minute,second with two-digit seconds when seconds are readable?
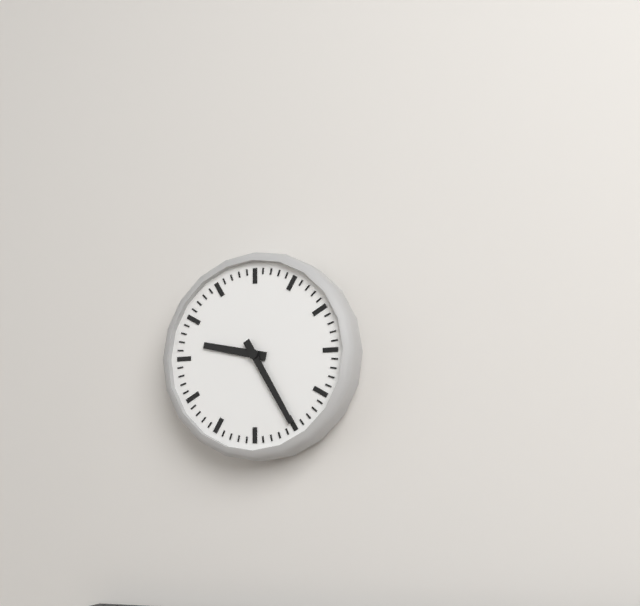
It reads 9,25
